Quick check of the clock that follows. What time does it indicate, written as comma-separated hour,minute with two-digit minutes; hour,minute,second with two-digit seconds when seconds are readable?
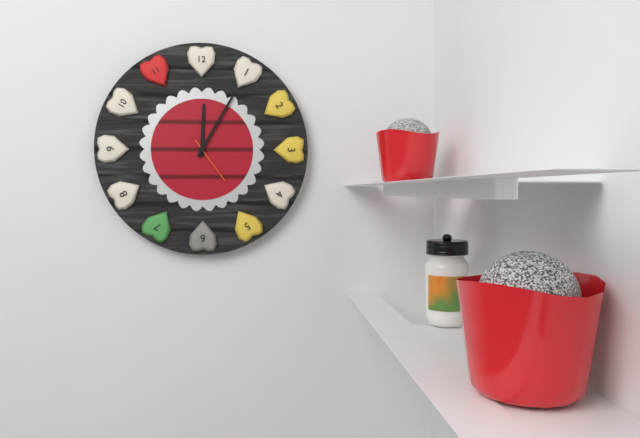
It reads 12,05
